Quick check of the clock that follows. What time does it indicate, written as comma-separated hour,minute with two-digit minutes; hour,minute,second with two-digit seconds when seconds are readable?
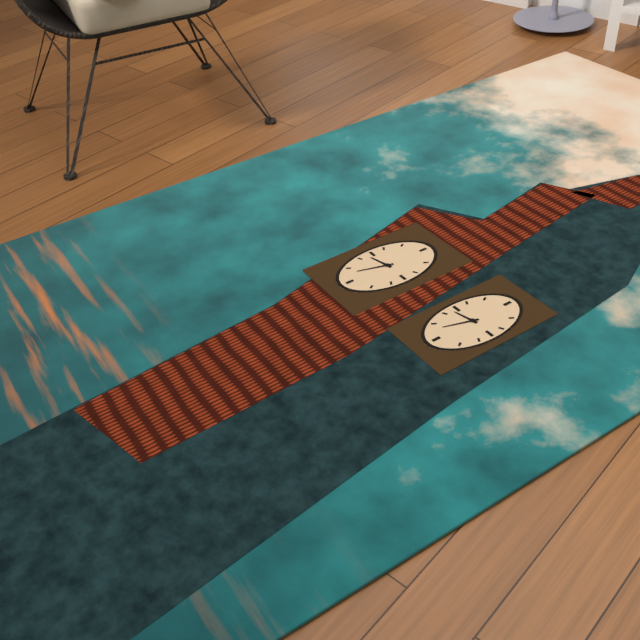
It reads 8,33
